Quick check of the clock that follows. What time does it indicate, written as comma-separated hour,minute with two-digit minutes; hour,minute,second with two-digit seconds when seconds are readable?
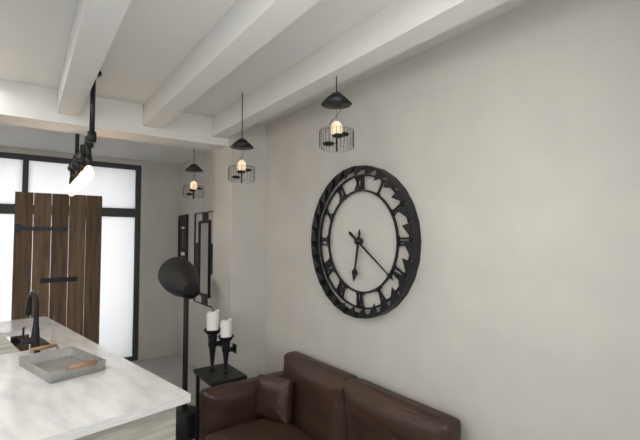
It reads 6,21
